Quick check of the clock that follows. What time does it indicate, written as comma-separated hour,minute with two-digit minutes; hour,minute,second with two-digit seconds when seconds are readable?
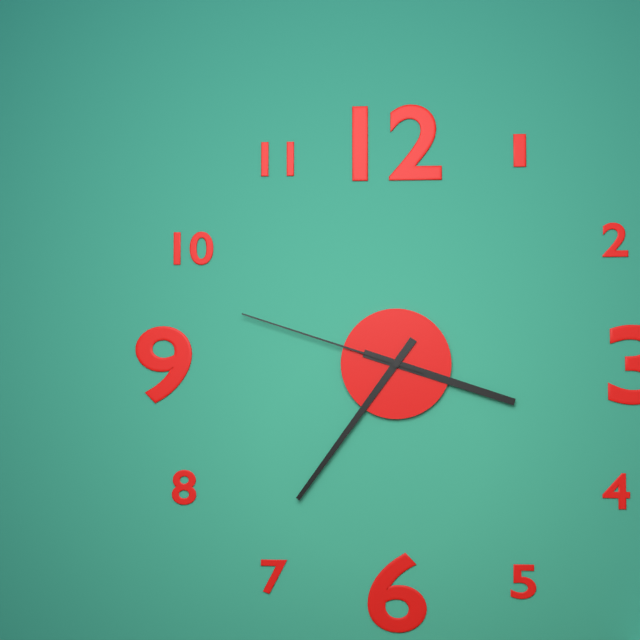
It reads 3,36,48
